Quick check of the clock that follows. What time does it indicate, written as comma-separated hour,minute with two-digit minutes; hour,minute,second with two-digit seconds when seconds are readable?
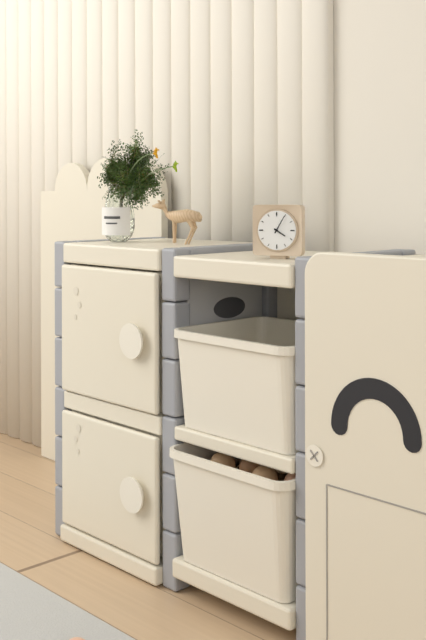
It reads 4,05
